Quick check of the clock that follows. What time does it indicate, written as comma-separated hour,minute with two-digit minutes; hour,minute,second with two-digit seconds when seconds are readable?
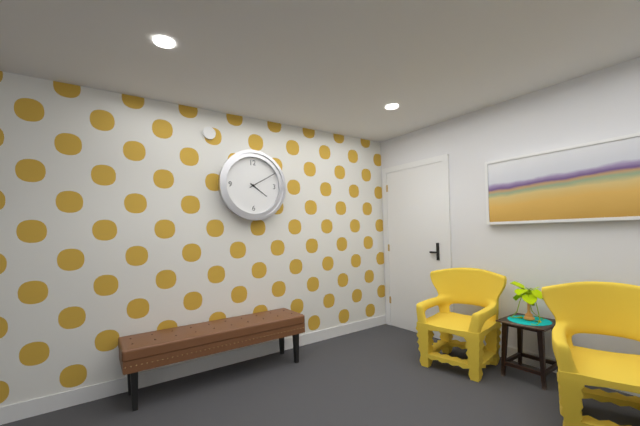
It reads 4,10
